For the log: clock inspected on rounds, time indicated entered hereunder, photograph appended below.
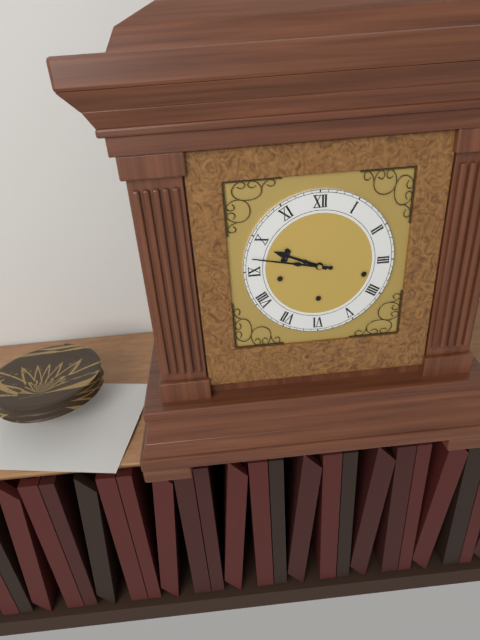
9:47
